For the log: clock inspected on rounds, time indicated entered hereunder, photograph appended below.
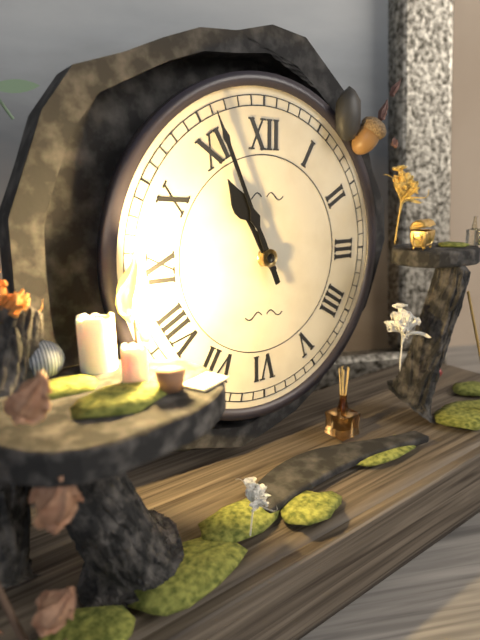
10:56
